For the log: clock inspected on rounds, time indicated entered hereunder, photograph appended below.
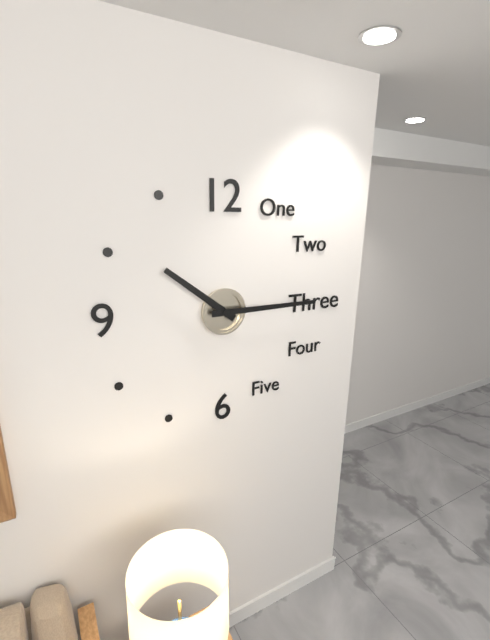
10:15
